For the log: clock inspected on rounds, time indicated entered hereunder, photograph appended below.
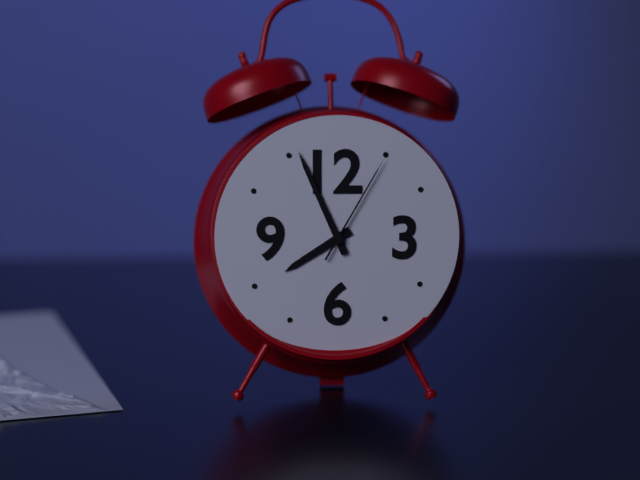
7:56:05
